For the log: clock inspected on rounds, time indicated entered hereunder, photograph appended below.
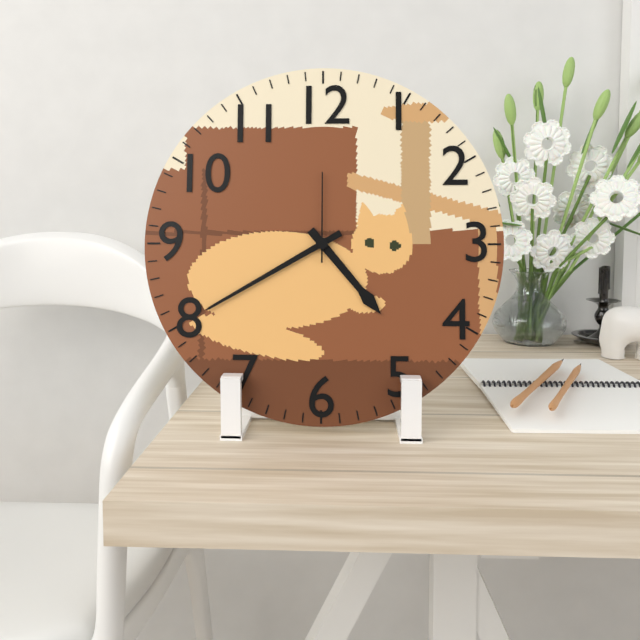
4:40:00
